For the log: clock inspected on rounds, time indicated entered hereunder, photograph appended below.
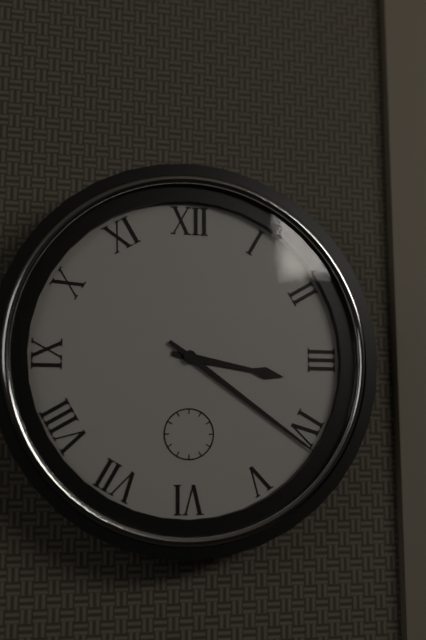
3:21
